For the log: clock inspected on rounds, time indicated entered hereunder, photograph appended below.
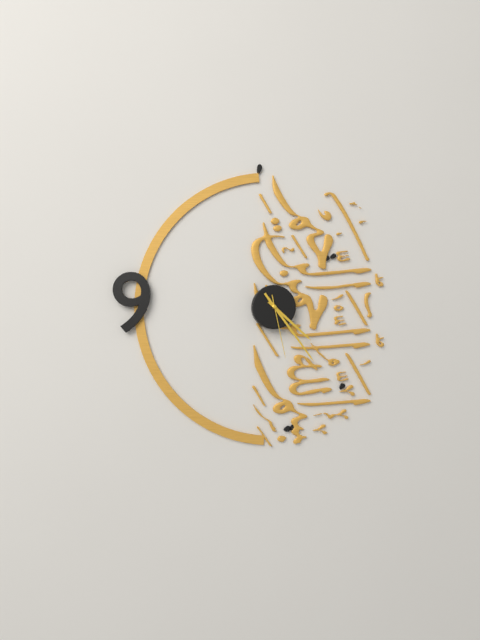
4:24:28
